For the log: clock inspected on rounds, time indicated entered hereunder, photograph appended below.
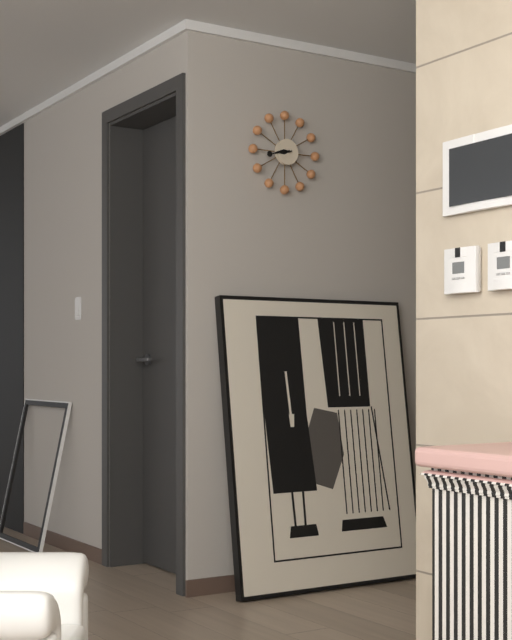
8:43
